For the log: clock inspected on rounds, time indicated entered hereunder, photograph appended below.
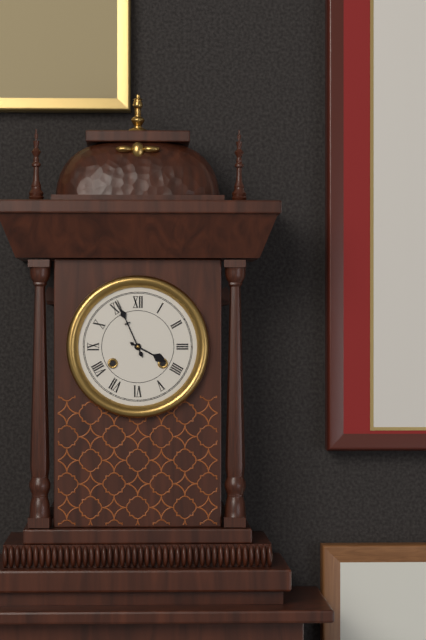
3:56
